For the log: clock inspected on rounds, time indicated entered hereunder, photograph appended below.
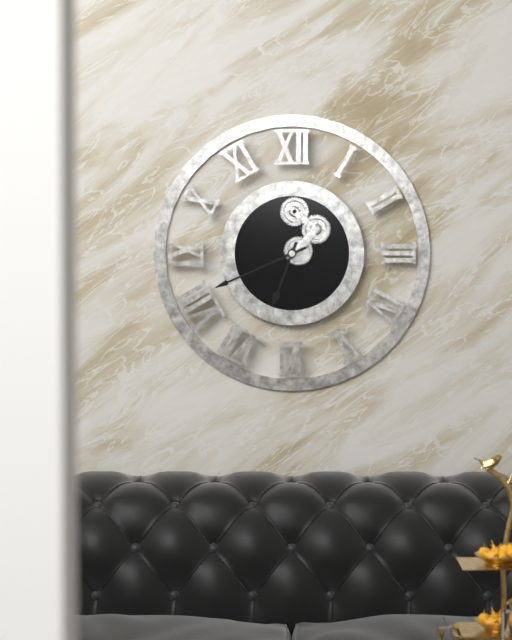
6:41
